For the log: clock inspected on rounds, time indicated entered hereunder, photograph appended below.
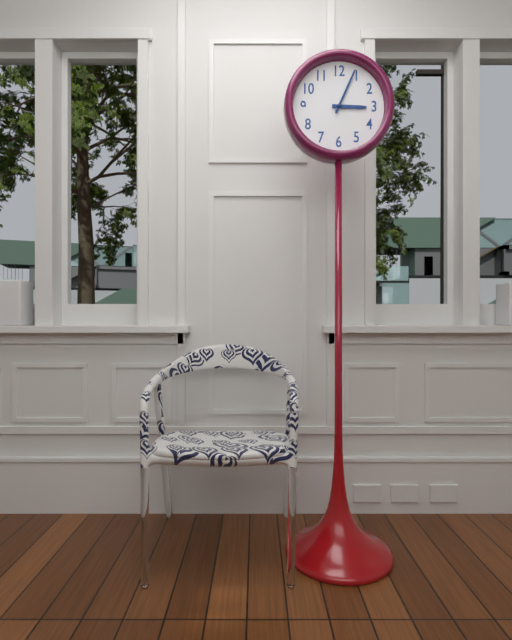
3:04
